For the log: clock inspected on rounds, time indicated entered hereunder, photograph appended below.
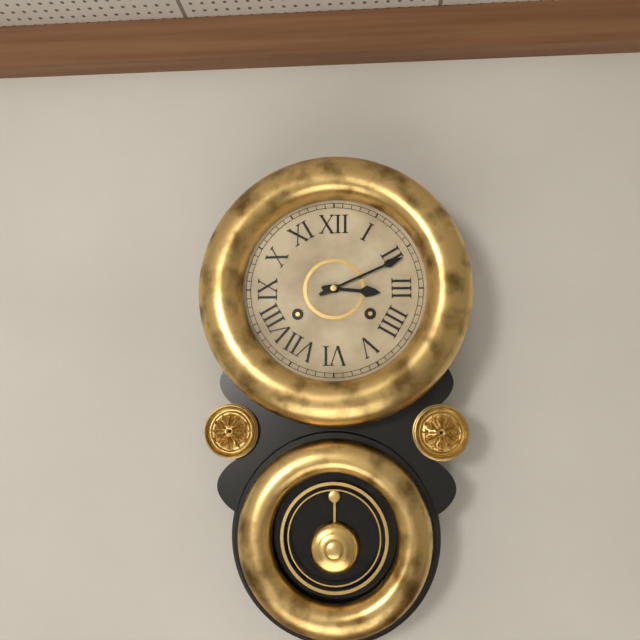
3:11
